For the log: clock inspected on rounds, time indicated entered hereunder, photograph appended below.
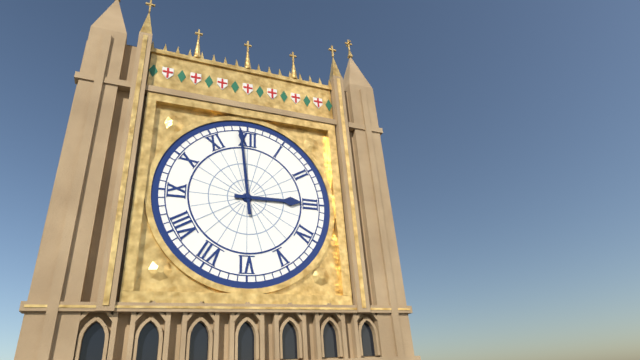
2:59
